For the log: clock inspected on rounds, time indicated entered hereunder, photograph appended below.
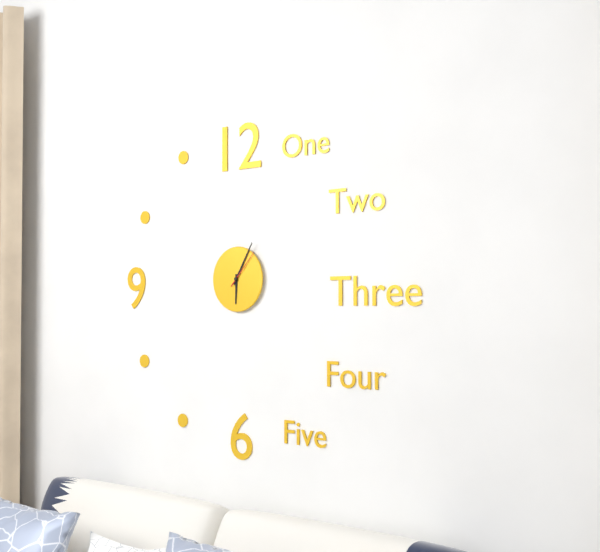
6:05
